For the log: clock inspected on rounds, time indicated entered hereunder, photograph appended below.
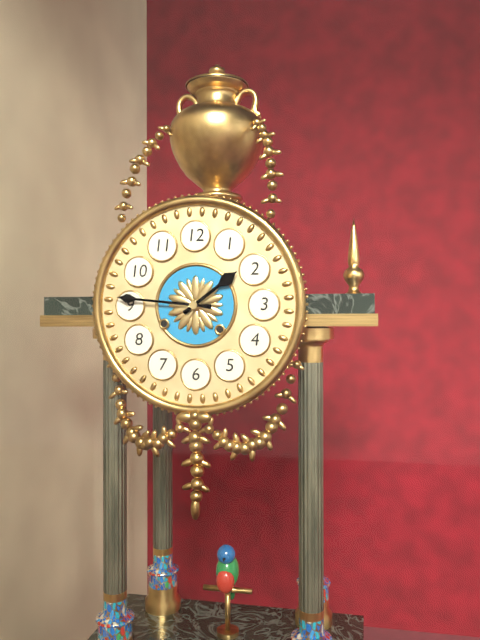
1:46
